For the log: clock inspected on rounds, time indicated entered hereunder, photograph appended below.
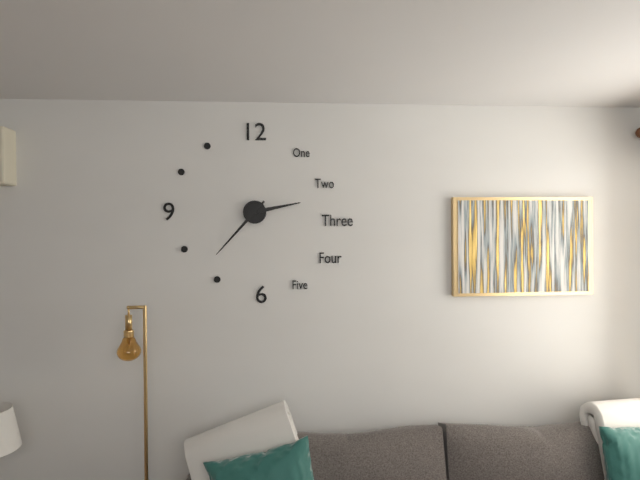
2:37
